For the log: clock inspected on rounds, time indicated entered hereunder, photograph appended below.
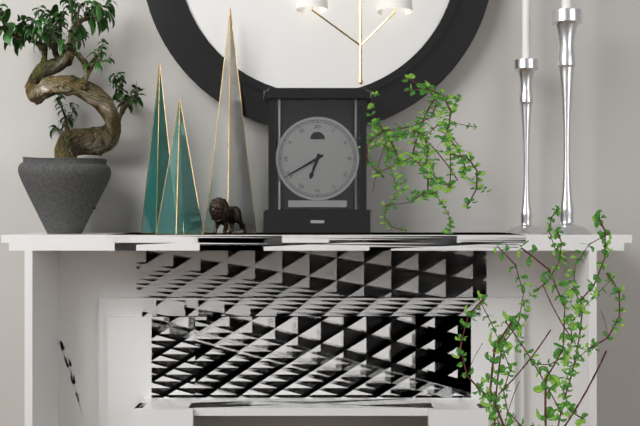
6:40
